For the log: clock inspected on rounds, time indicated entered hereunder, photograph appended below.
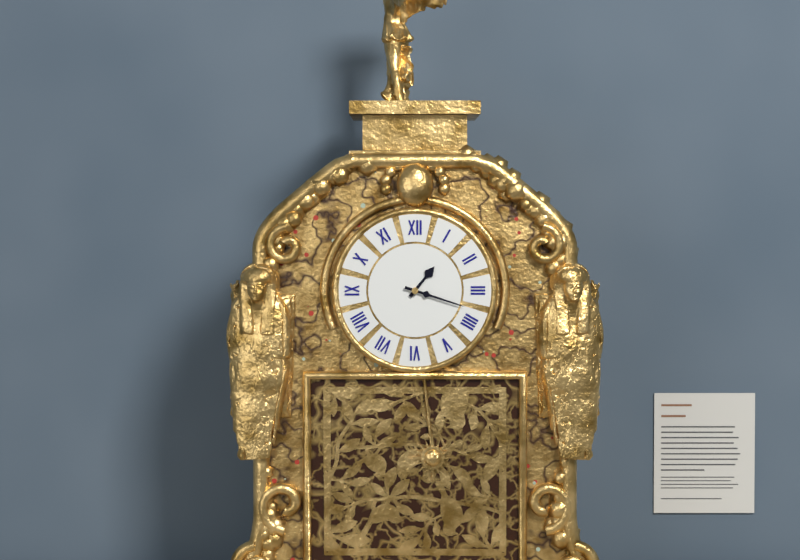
1:18
